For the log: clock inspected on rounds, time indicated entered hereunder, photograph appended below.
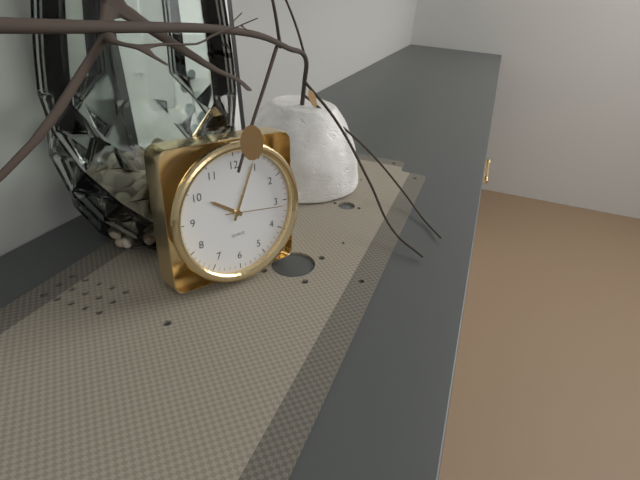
10:04:16
